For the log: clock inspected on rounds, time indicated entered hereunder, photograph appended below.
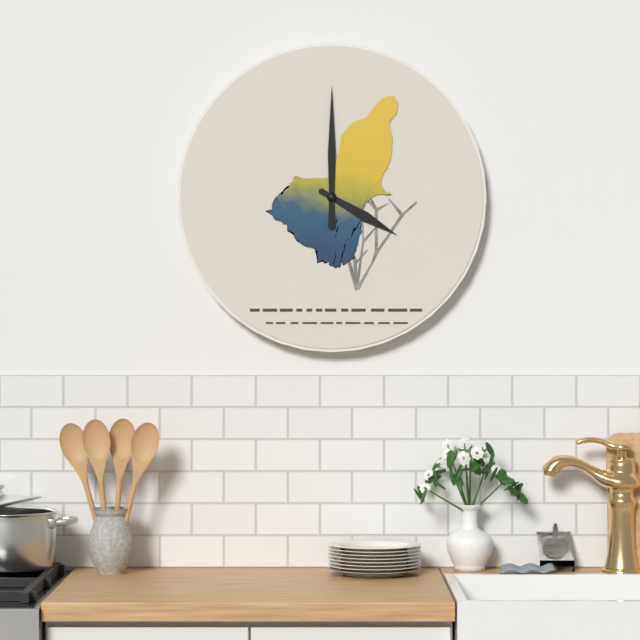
4:00
